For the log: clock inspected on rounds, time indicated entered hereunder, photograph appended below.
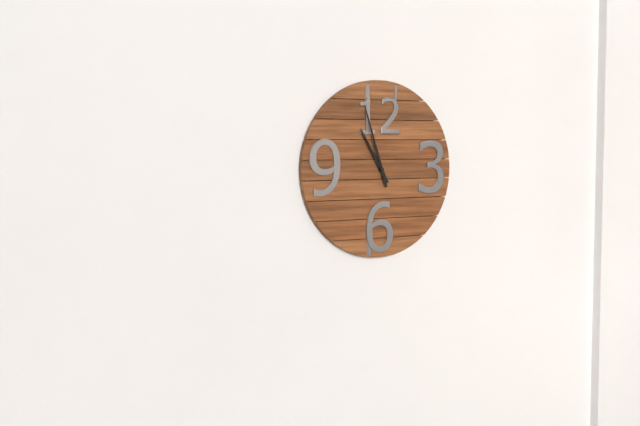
10:57
